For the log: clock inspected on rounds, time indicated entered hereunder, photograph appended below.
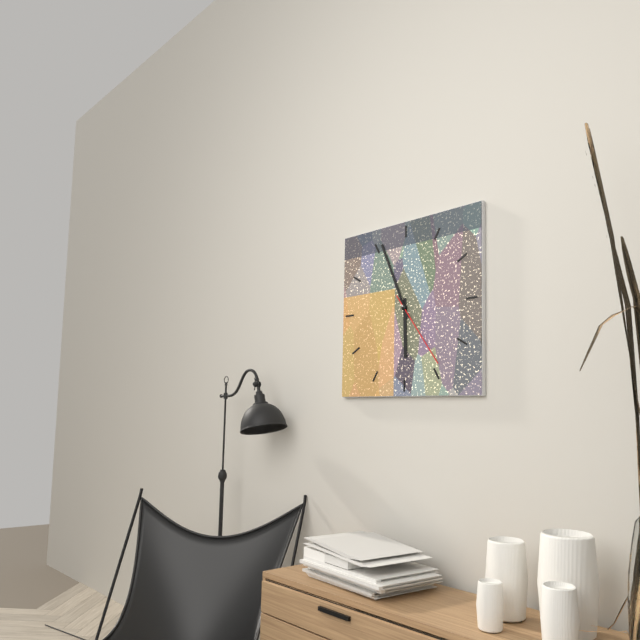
5:56:24
